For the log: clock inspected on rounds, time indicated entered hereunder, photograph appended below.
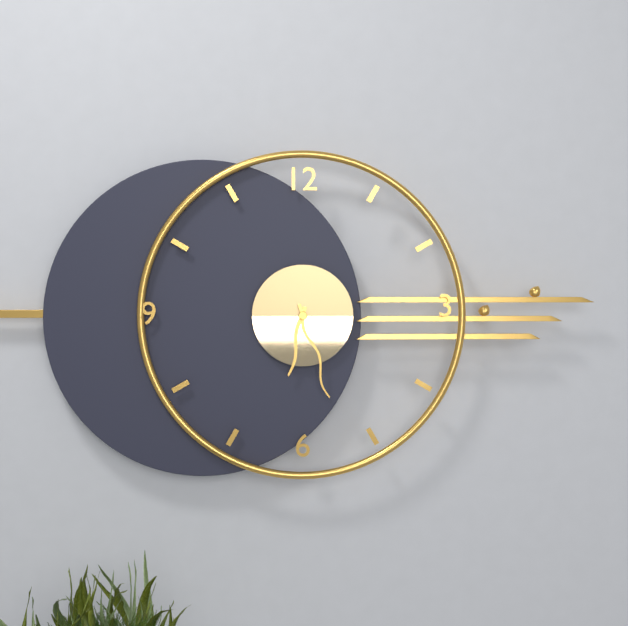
6:27
